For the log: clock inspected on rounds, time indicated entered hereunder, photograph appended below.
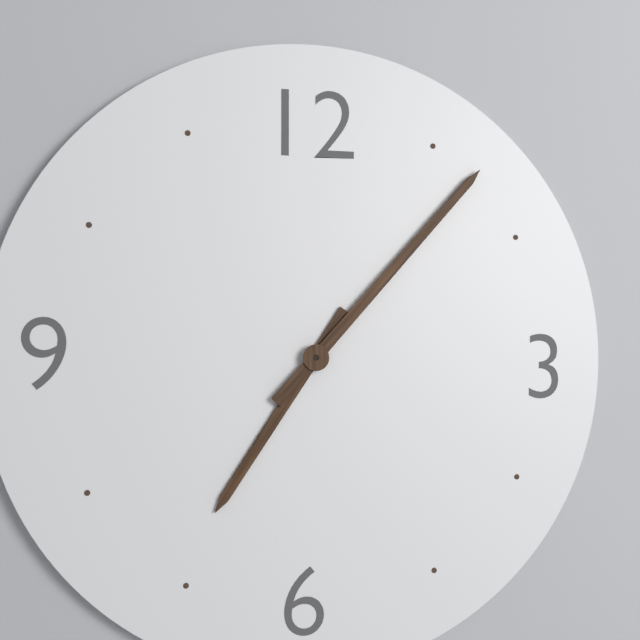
7:07
